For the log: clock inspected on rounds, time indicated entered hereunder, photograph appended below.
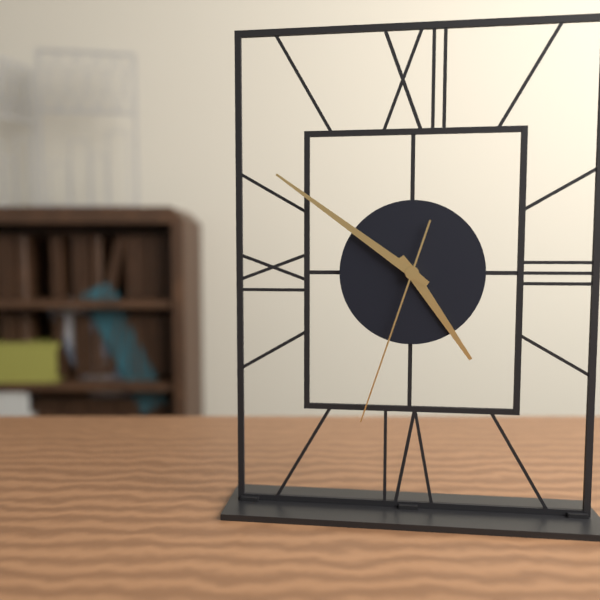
4:51:33
